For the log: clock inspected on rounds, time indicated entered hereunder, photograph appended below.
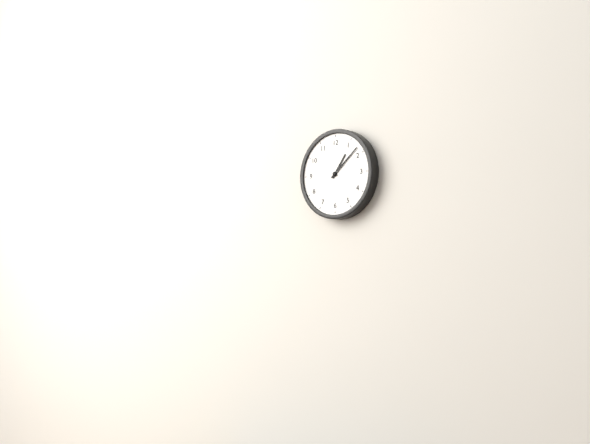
1:08
